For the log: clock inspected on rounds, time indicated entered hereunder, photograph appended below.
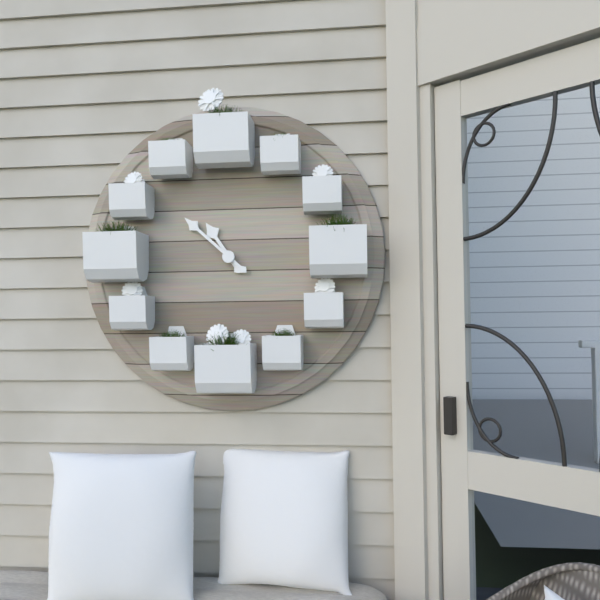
10:52
